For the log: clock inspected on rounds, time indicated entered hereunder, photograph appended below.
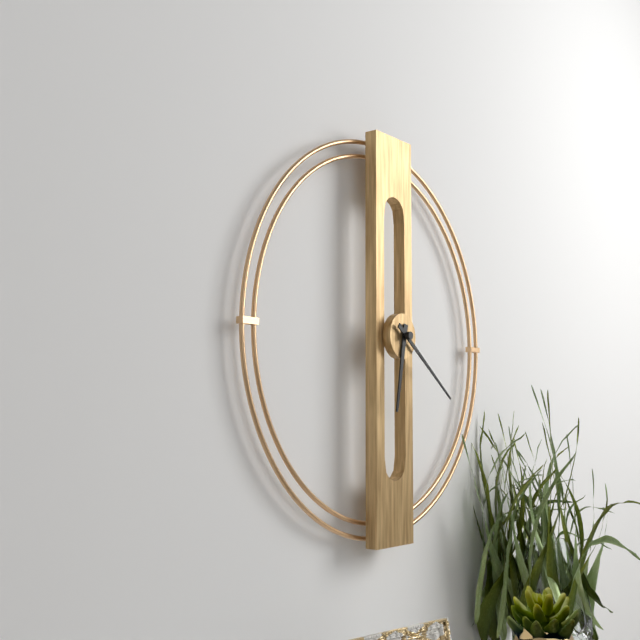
6:21
